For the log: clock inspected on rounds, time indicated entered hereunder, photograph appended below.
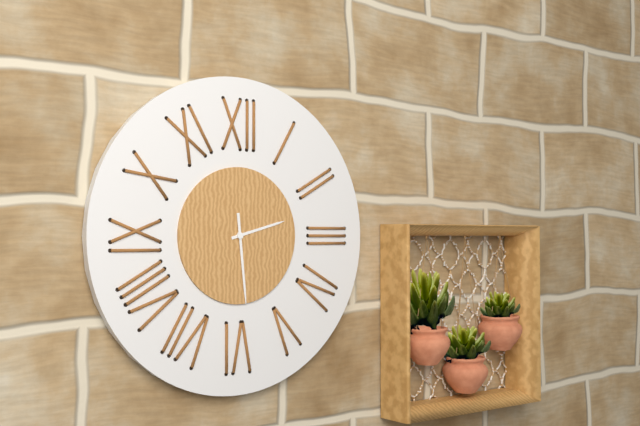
2:29
